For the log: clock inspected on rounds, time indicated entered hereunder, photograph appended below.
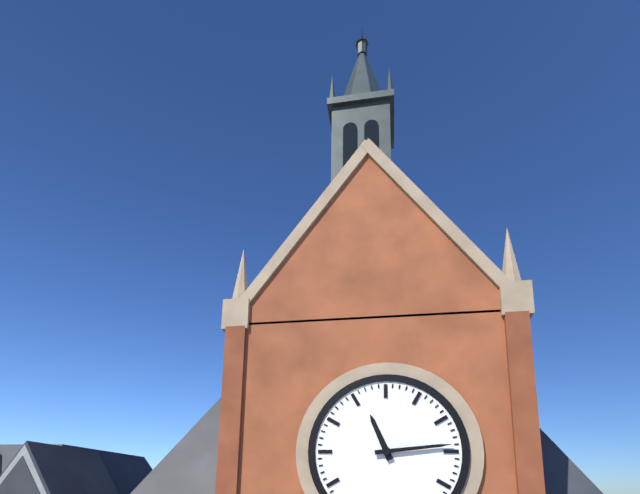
11:14
